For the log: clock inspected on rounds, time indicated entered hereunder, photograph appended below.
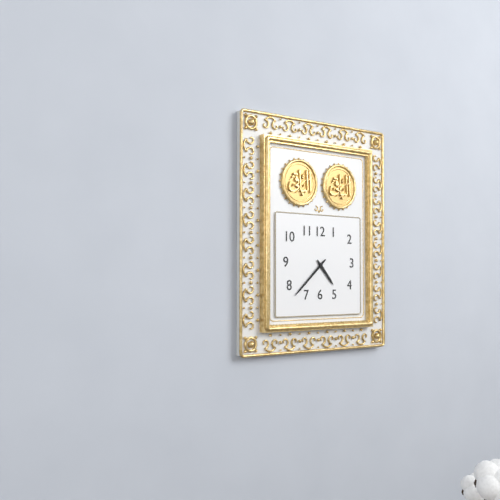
4:38
